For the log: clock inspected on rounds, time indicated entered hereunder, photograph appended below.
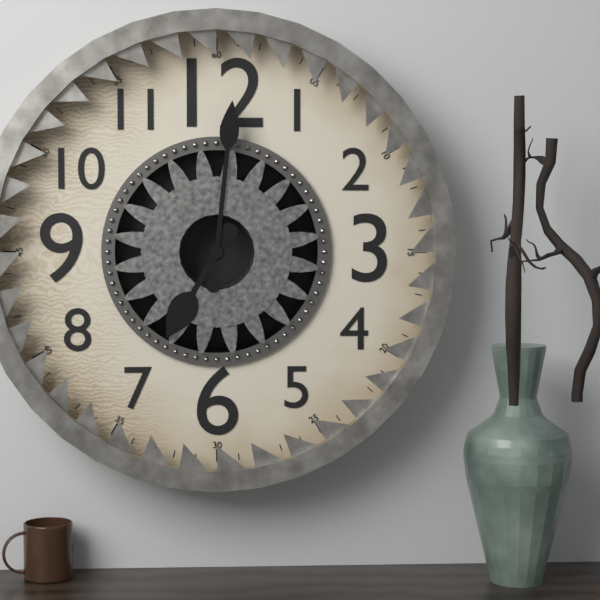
7:01
